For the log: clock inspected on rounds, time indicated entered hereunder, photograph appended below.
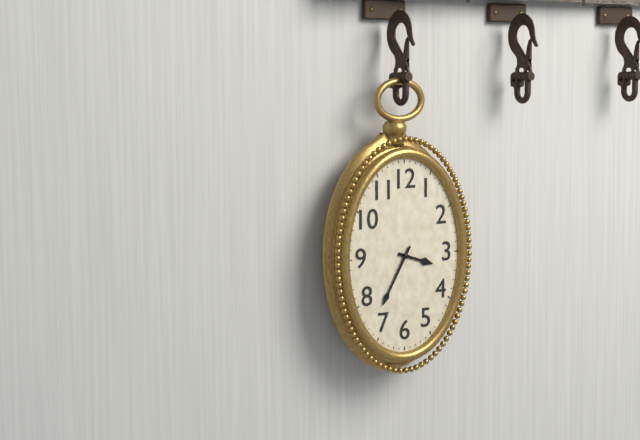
3:35
